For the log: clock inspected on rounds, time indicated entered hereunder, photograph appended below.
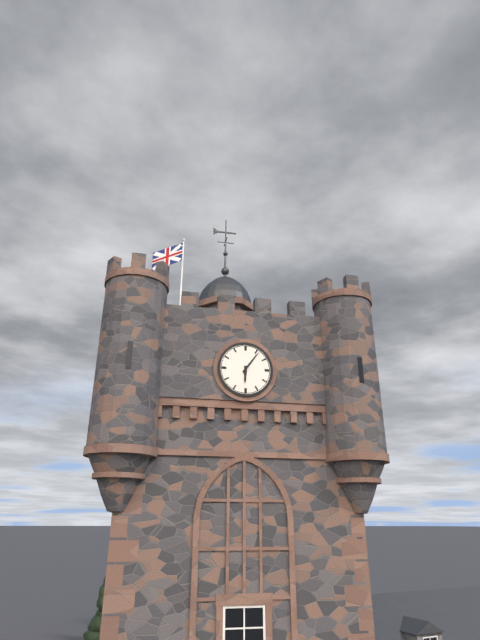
6:06
